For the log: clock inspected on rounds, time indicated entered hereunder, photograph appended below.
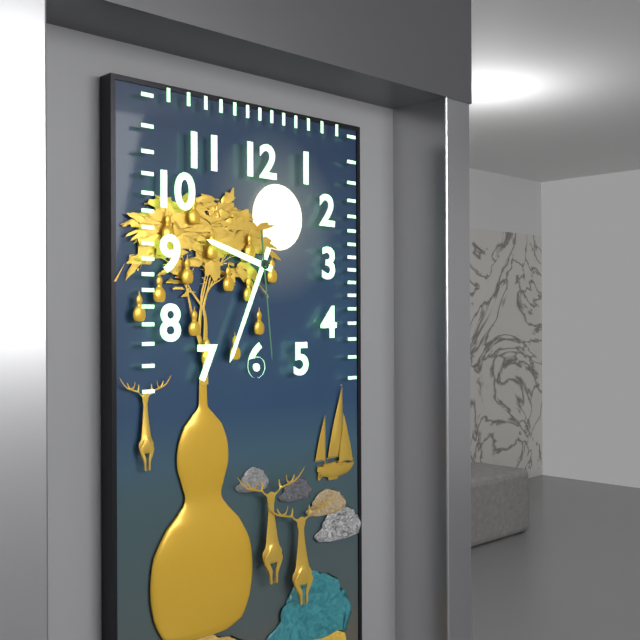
9:34:29
